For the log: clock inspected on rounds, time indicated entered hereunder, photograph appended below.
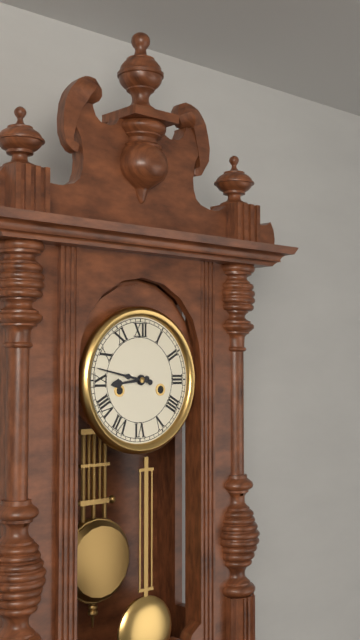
8:47
